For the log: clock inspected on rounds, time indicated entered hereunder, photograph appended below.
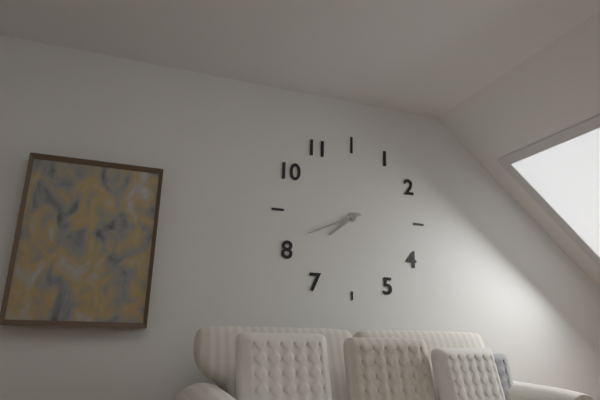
7:41
